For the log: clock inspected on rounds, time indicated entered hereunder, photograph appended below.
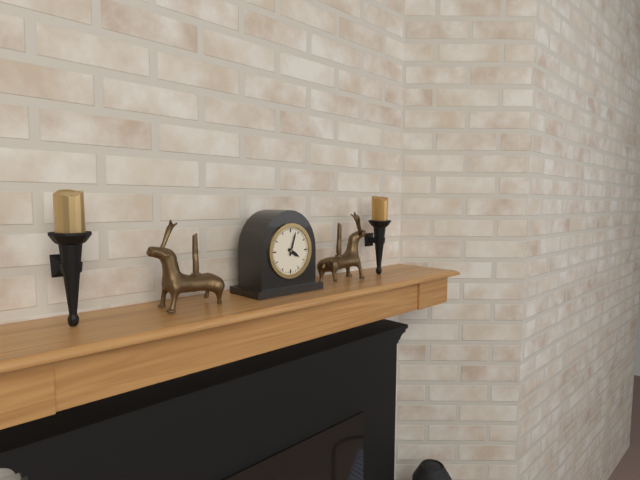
4:03
